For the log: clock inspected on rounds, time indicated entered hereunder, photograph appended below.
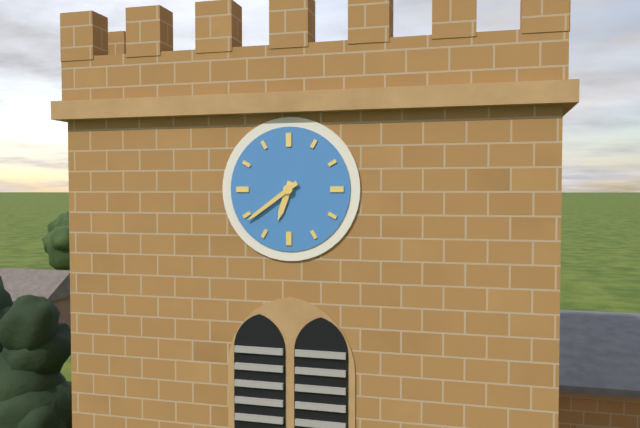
6:39
